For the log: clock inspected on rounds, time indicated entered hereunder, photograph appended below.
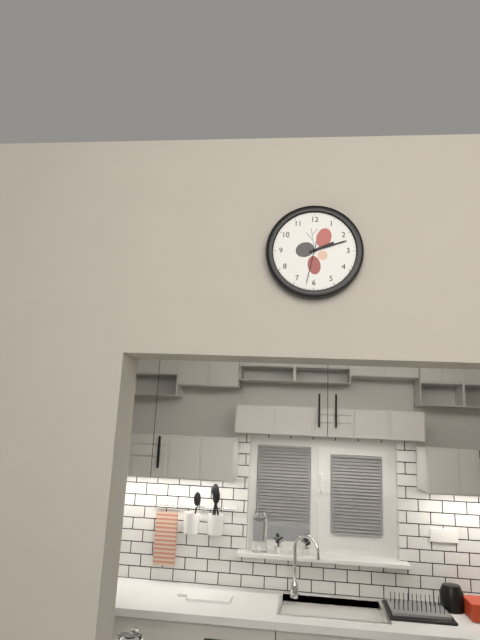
2:12
